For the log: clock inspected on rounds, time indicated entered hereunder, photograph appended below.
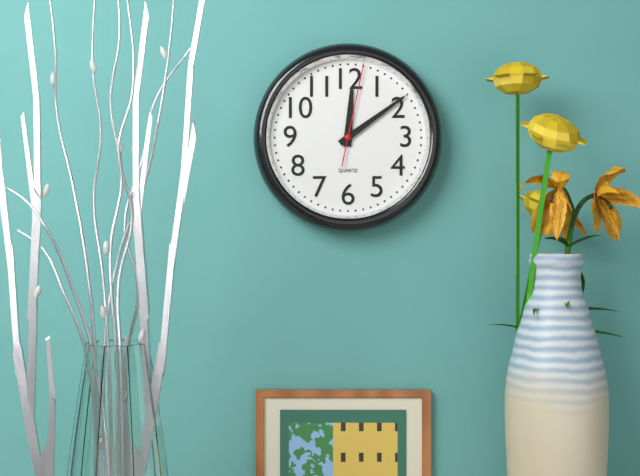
12:09:02
